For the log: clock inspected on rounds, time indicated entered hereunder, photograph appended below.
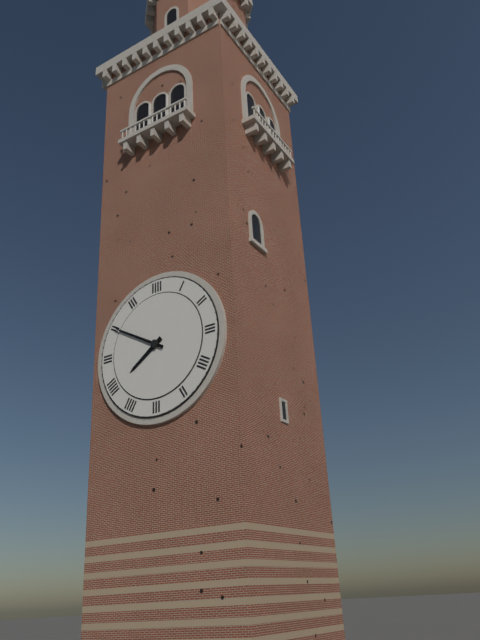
7:50
